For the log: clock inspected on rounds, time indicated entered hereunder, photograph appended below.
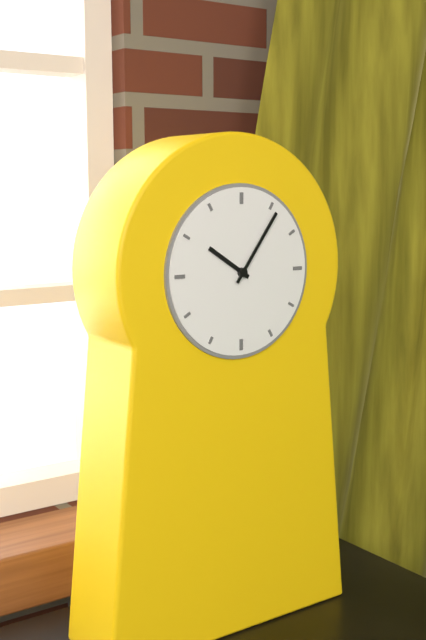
10:06
